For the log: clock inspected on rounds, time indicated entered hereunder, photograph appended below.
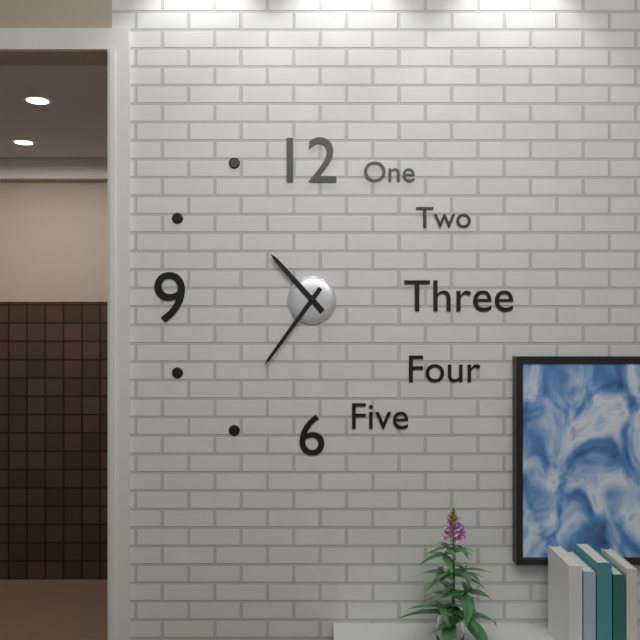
10:36
